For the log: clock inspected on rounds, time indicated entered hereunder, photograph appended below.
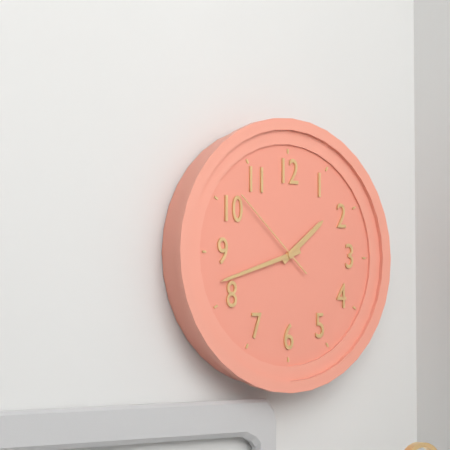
1:42:52
